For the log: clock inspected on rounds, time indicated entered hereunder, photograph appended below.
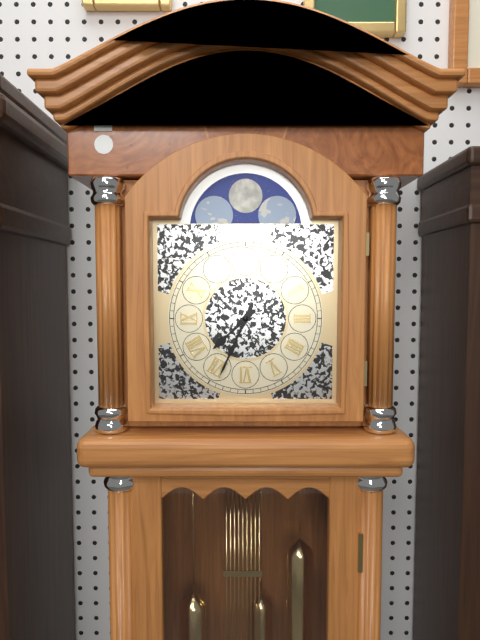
7:34
